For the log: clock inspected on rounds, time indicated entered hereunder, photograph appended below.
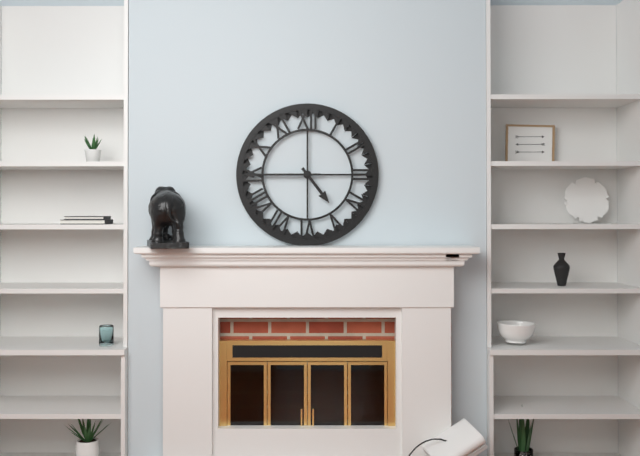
4:45
